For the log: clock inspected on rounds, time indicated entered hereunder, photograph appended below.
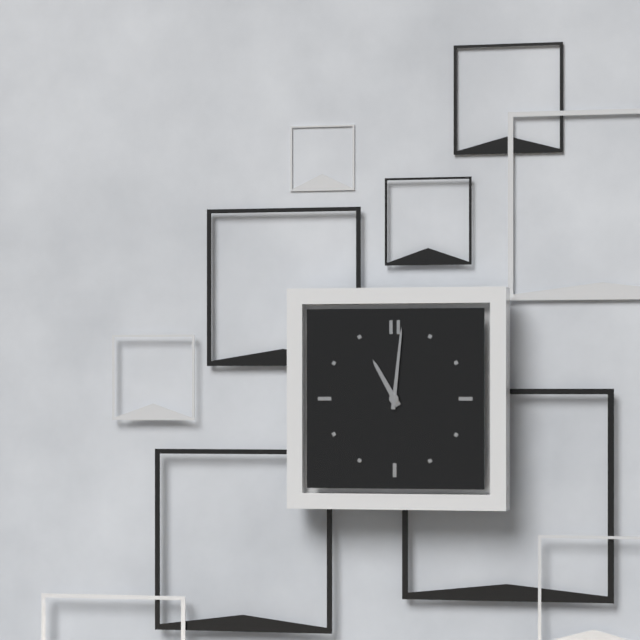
11:01
